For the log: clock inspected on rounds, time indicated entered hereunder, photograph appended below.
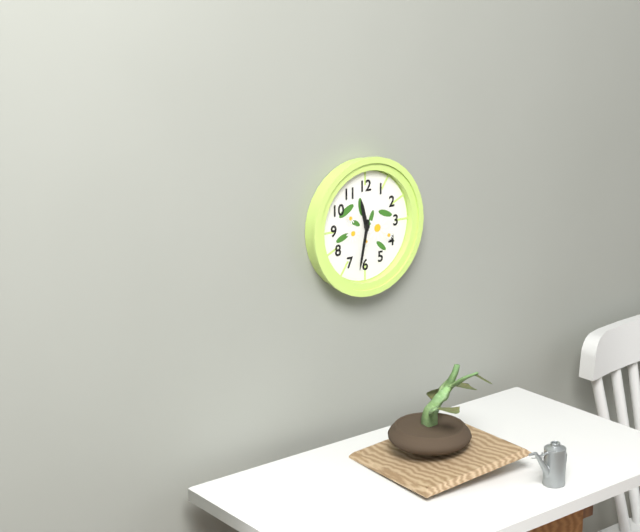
11:32
